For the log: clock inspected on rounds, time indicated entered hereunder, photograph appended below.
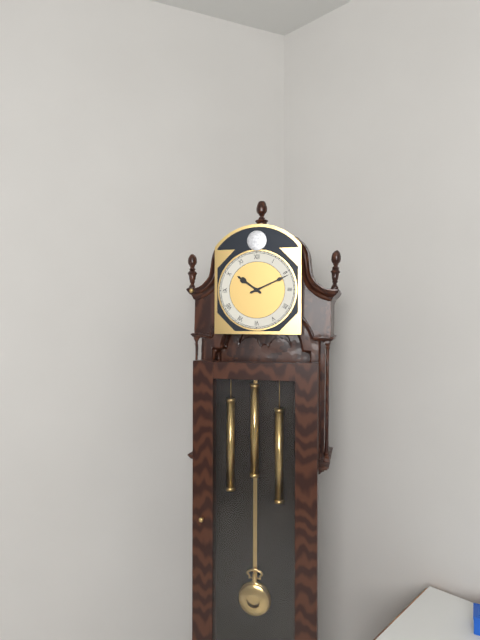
10:11
